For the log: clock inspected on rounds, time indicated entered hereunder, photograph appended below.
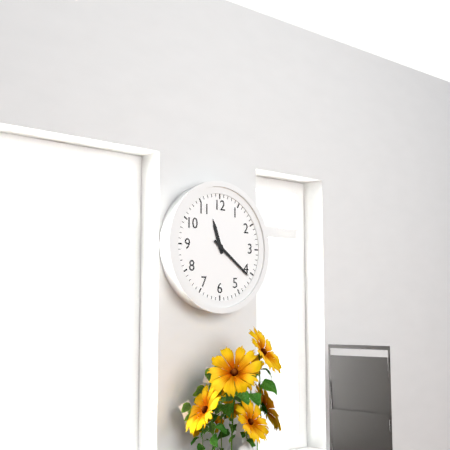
11:21
